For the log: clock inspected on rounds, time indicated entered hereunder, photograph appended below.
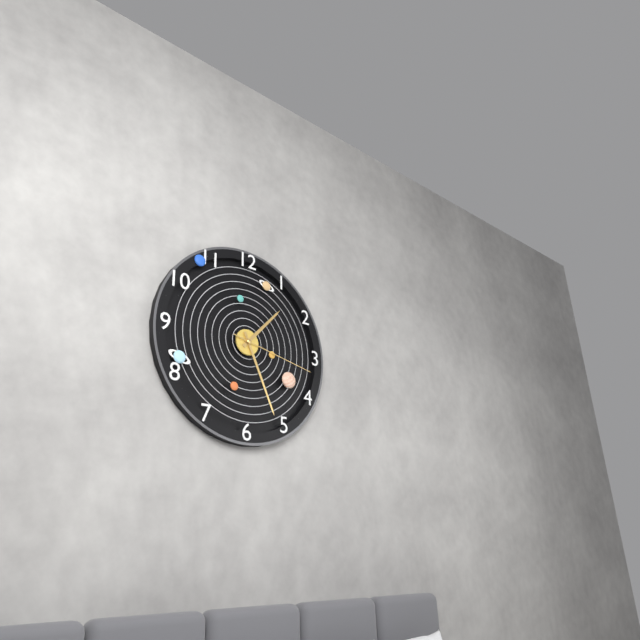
1:26:17
